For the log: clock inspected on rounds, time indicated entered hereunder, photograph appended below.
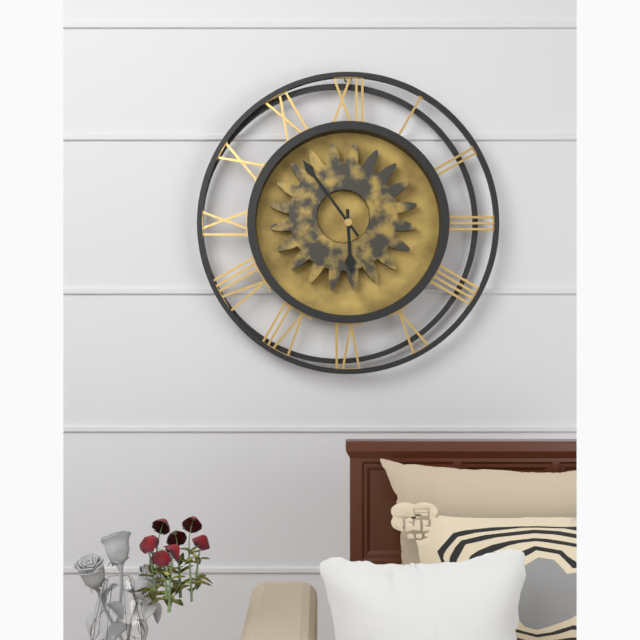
5:54
